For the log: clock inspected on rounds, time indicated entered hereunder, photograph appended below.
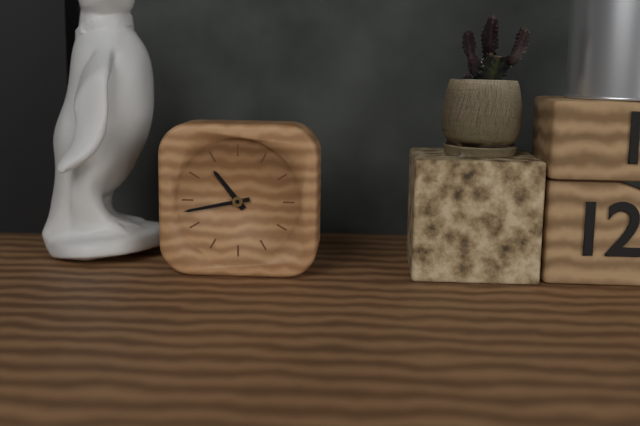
10:43
